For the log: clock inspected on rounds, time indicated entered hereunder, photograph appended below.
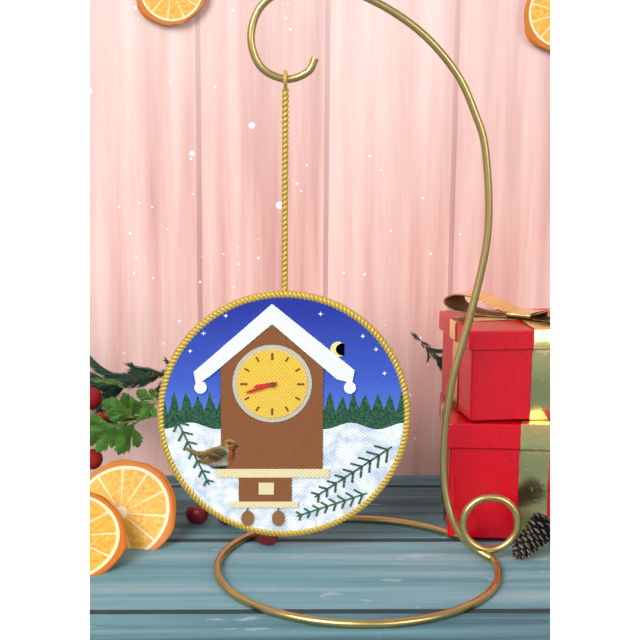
8:42
